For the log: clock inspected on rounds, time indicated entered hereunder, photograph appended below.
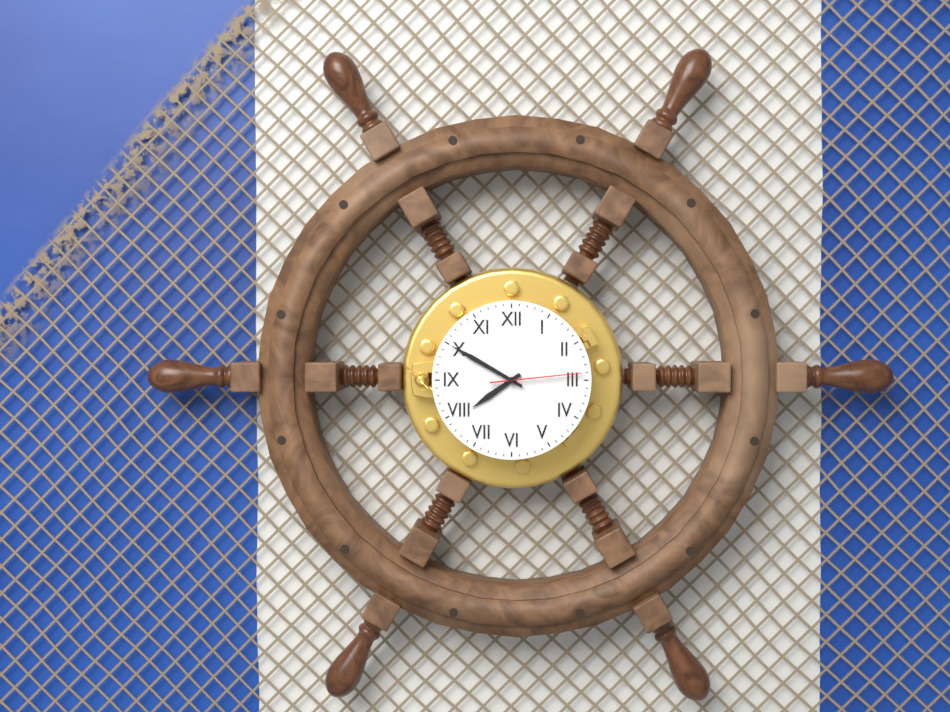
7:50:14
